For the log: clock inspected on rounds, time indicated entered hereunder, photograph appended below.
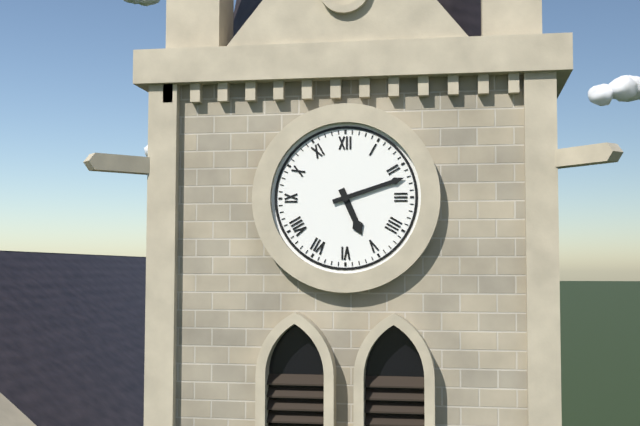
5:12
